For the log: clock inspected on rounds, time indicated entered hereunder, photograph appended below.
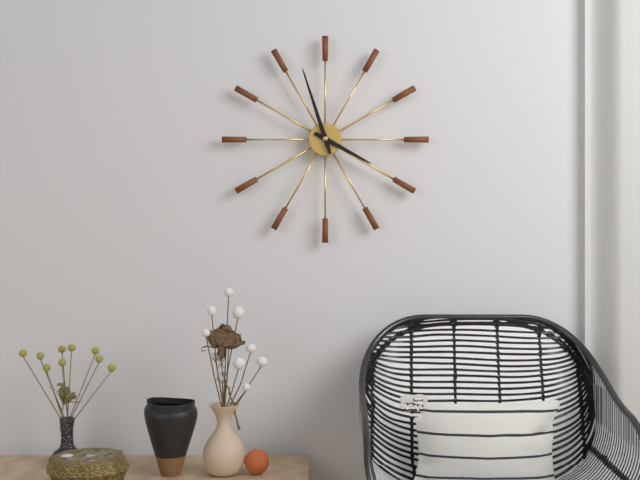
3:57
